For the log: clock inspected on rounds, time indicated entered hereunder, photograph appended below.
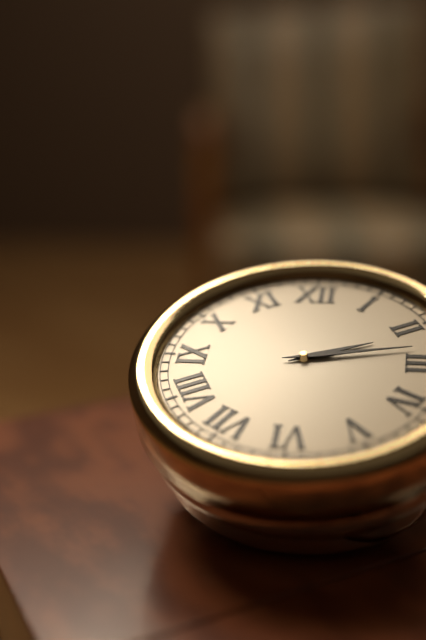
2:13
